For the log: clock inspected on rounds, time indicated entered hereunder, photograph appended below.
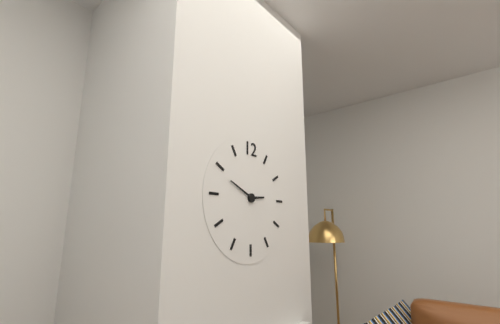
2:49
